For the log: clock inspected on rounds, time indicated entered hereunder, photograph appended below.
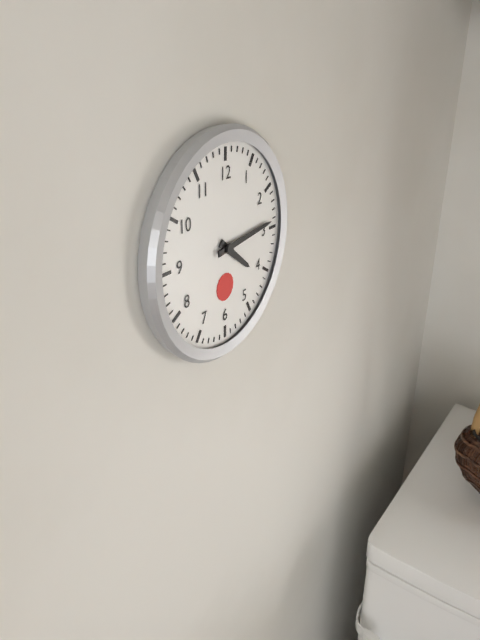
4:14
